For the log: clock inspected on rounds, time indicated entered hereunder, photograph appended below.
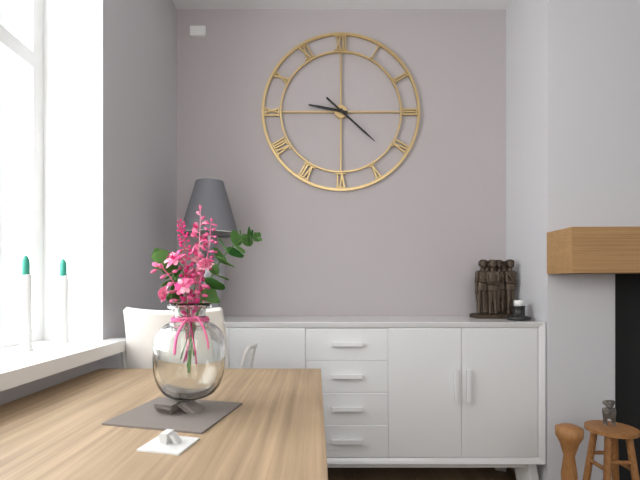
9:22
